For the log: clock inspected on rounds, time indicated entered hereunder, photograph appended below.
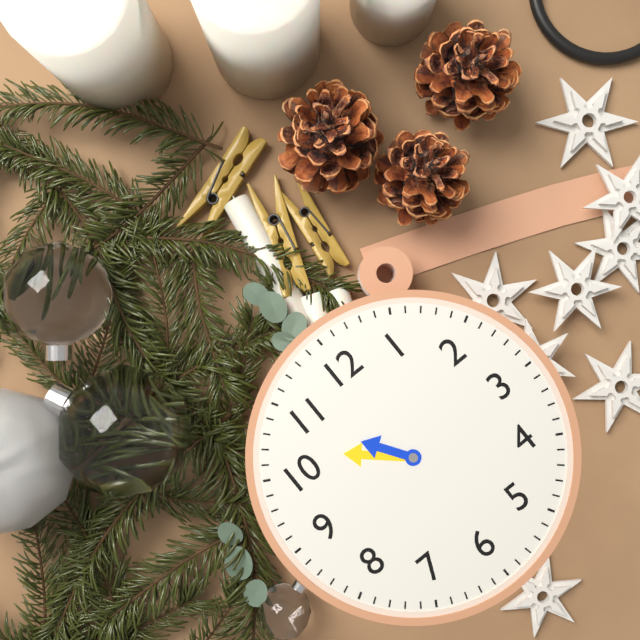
10:52
